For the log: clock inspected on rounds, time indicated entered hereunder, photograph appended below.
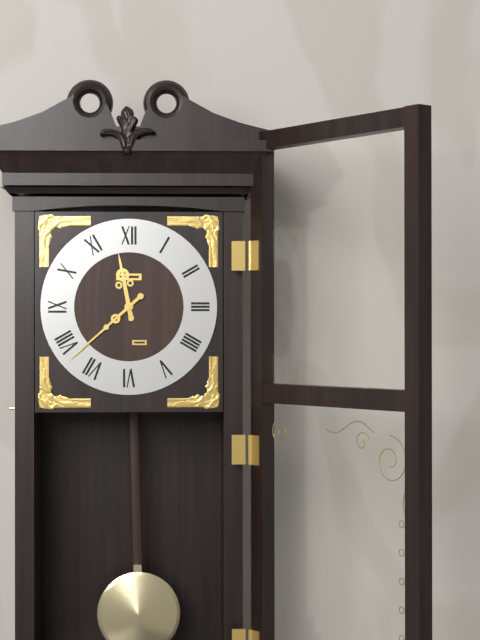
11:38
